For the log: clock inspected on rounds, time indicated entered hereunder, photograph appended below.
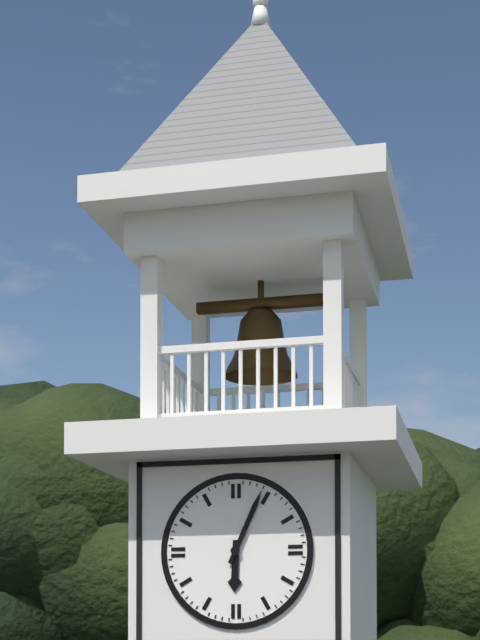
6:04
